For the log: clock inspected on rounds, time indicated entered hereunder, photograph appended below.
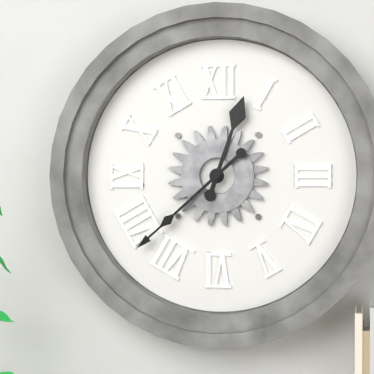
12:38
